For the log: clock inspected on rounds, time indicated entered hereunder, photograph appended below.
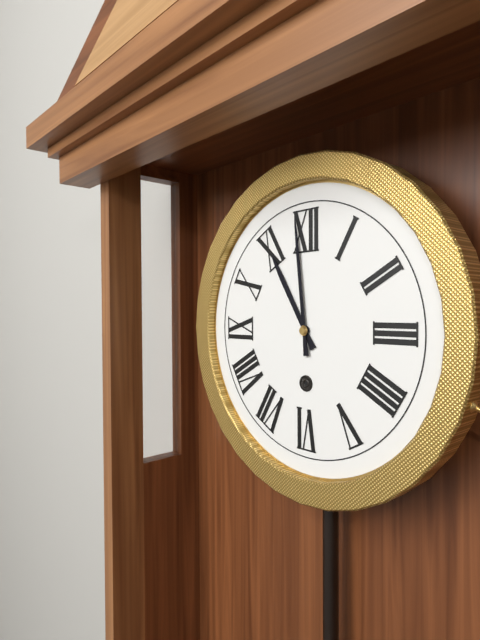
10:59
